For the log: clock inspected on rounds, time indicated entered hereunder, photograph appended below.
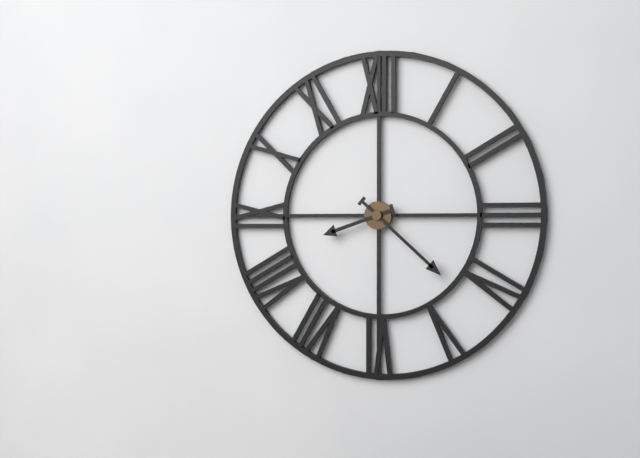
8:22
